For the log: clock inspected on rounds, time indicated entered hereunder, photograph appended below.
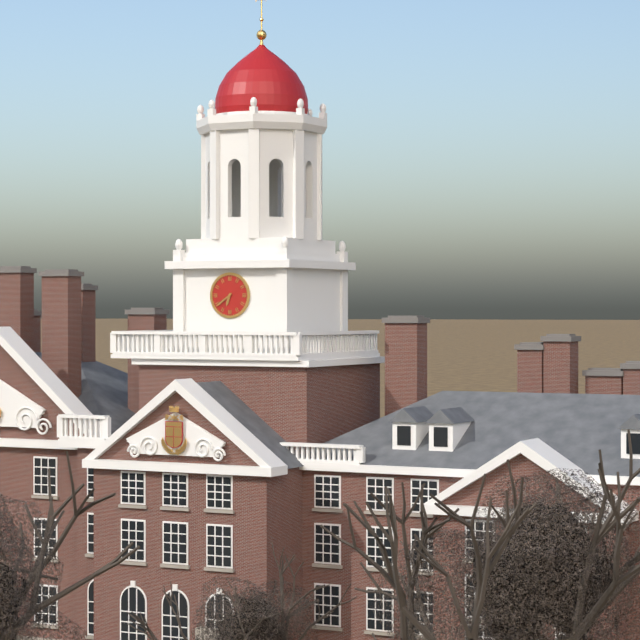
6:39
